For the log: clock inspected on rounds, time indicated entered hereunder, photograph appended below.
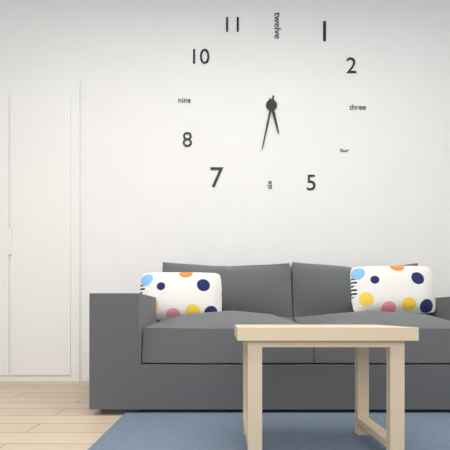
5:32
